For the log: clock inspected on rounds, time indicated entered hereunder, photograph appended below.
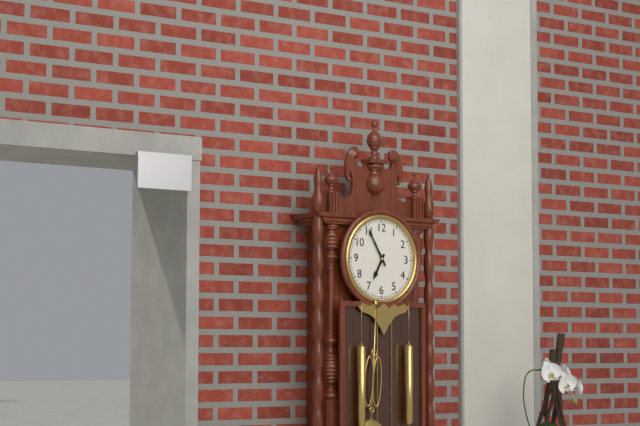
6:55
